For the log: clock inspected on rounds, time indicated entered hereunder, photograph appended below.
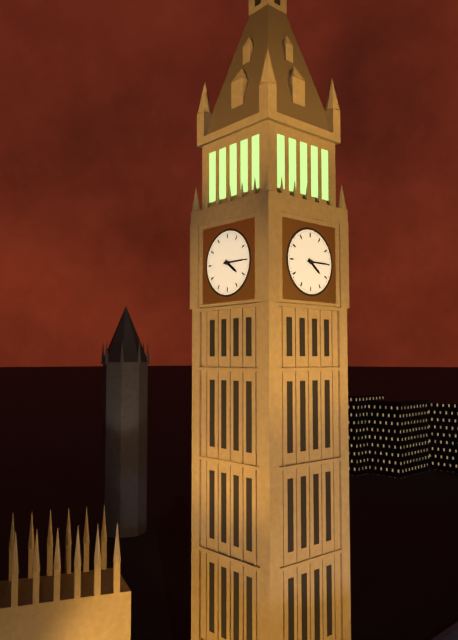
4:15
